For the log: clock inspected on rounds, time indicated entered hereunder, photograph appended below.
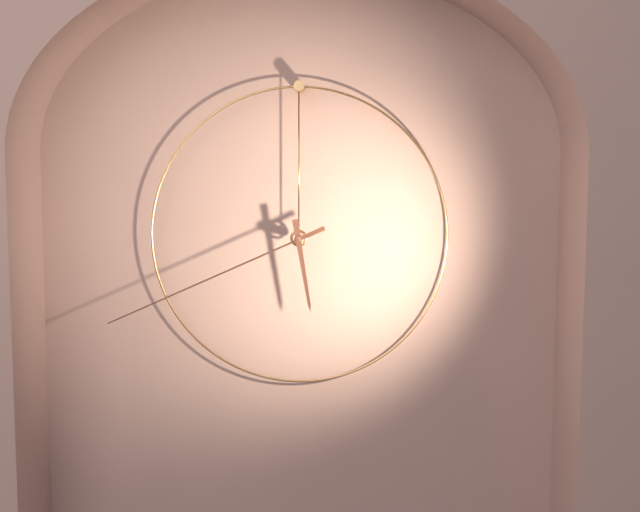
5:41
